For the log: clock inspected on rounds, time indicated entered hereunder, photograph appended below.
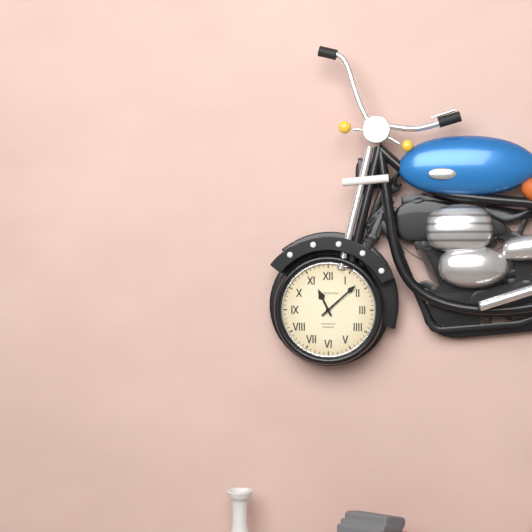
11:08
